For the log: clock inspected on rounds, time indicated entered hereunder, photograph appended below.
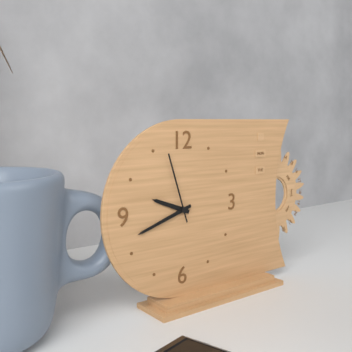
9:42:57
